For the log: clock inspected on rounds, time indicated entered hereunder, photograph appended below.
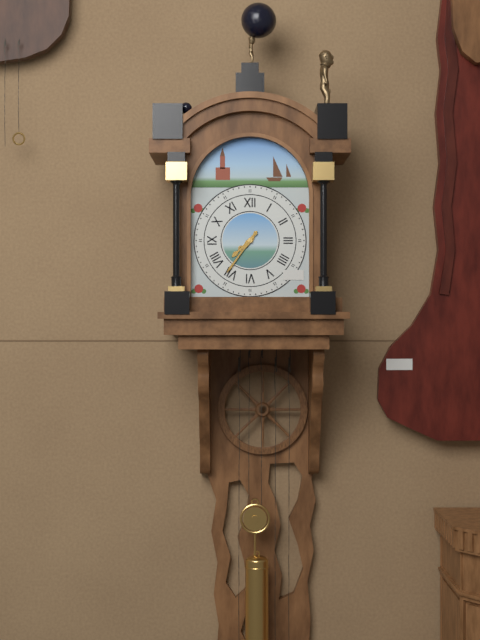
7:36
